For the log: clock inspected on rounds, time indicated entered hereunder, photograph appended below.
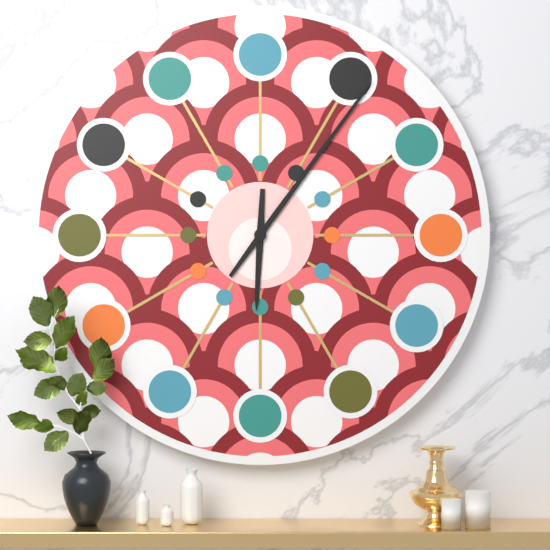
6:06
